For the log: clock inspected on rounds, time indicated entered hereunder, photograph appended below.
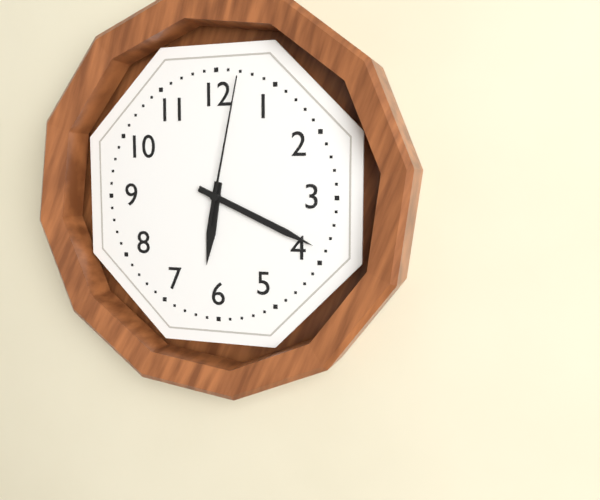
6:19:02
